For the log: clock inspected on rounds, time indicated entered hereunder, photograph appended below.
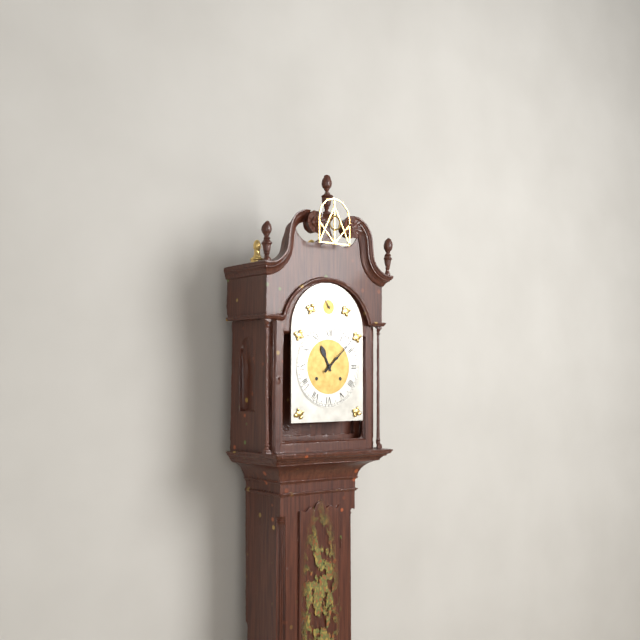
11:08
